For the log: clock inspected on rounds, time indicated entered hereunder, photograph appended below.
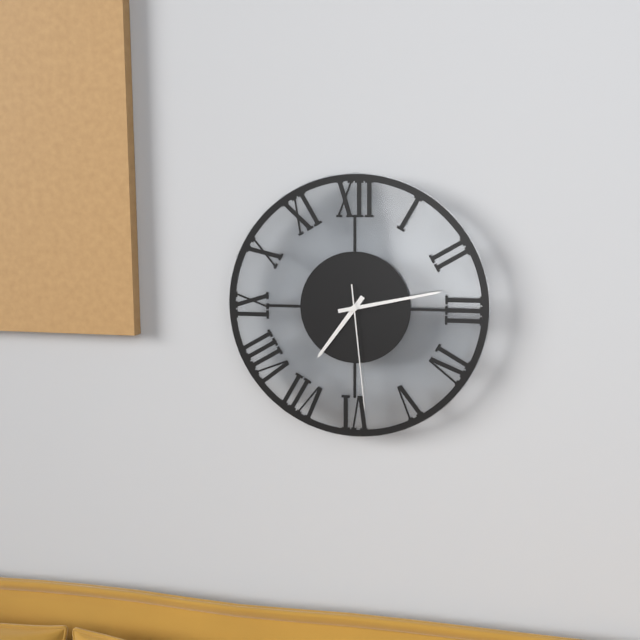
7:13:29
